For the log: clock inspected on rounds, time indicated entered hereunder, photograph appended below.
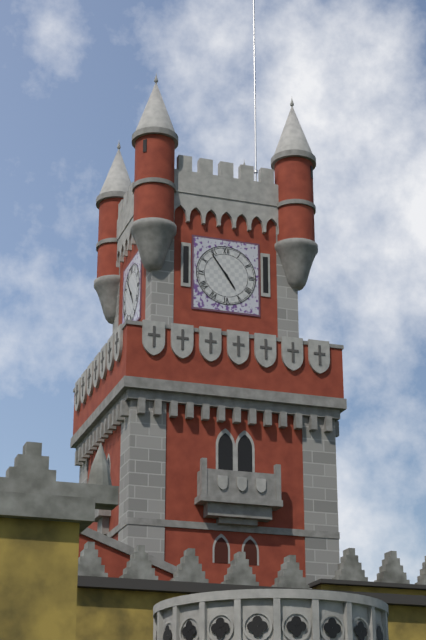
4:54
